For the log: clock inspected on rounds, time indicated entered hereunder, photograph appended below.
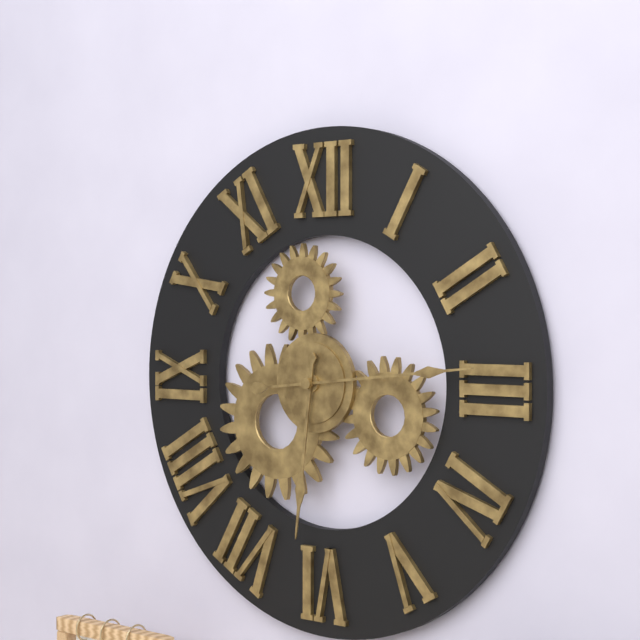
6:14
